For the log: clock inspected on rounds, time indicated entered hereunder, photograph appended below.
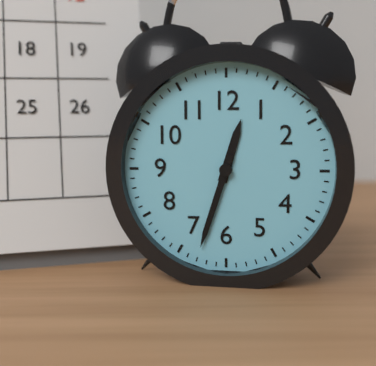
12:33
